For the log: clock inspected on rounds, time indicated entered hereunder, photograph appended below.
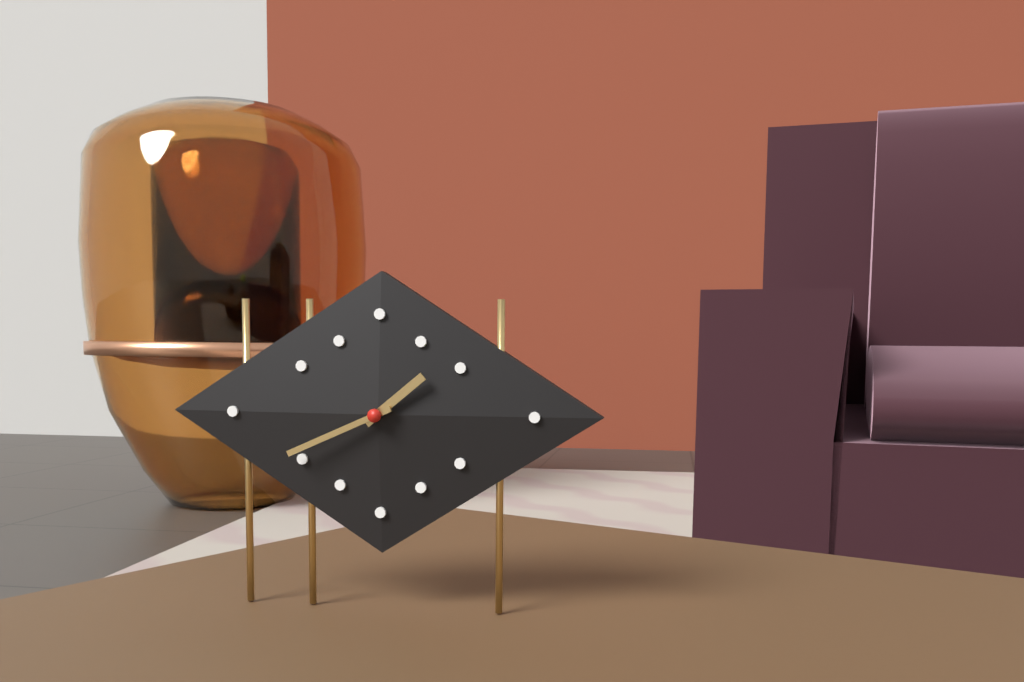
1:41
